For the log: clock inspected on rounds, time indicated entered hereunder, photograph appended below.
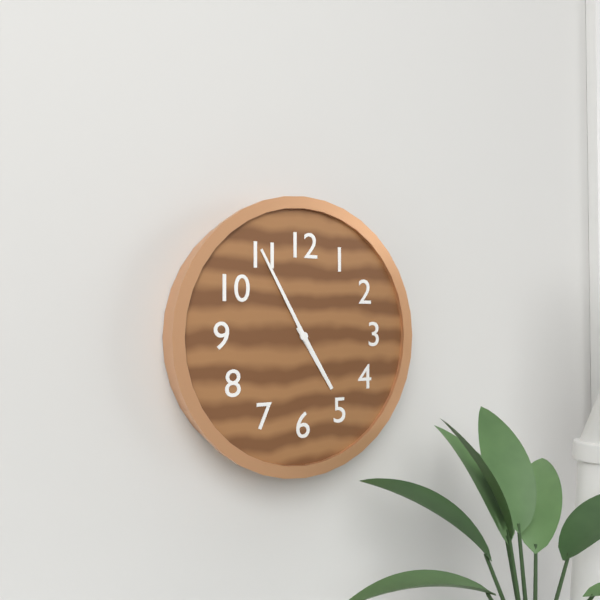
4:55
